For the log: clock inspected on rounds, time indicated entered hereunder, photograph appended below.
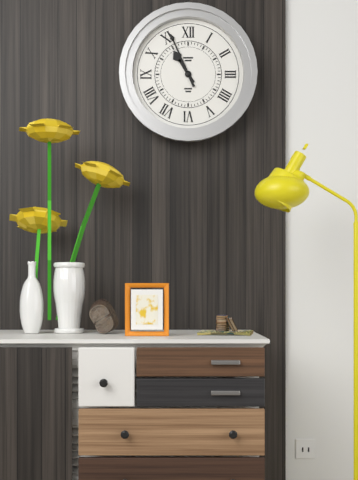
10:56
